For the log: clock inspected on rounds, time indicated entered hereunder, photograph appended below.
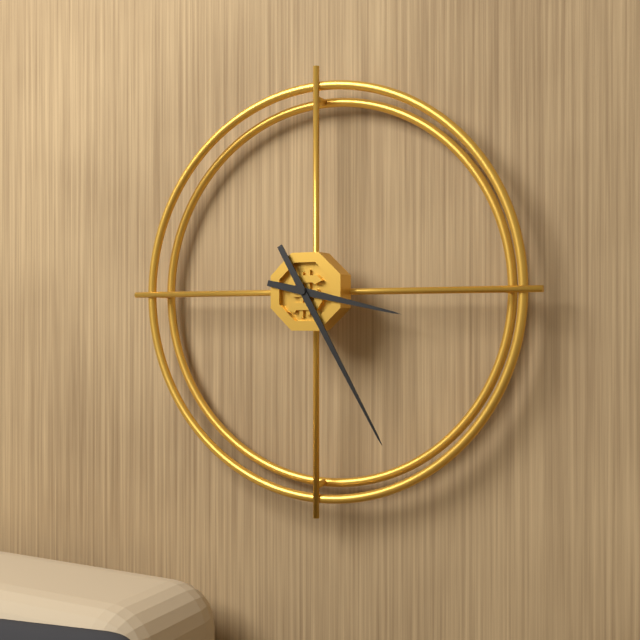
3:25
